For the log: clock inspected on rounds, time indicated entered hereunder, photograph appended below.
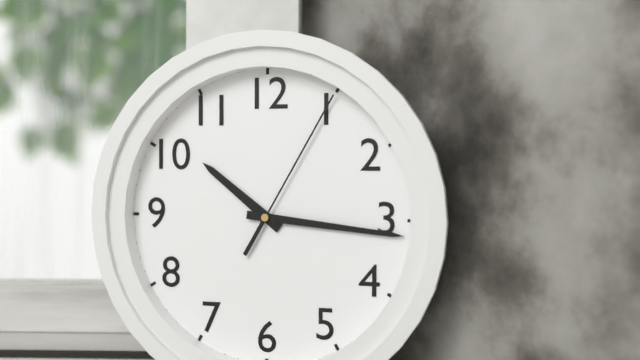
10:16:05
